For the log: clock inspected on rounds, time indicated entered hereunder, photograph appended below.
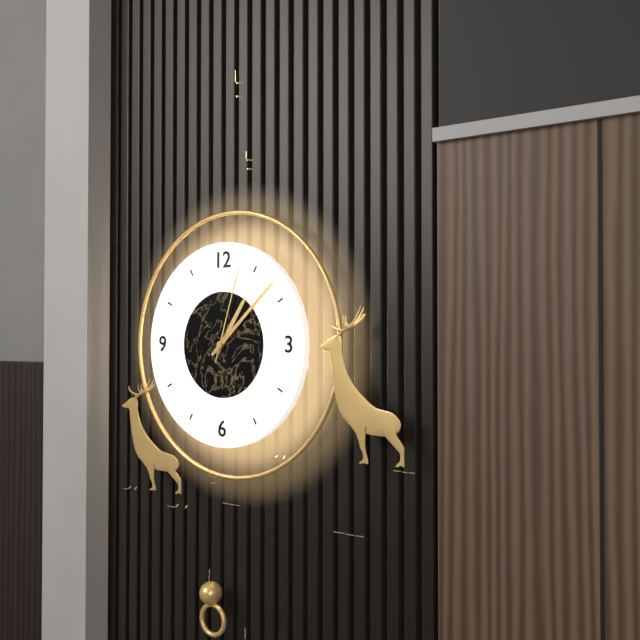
1:08:03
